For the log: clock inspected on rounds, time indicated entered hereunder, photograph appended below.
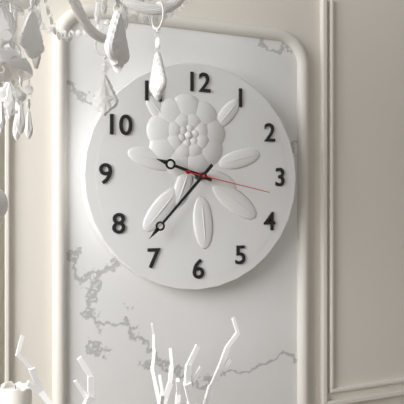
9:37:17
